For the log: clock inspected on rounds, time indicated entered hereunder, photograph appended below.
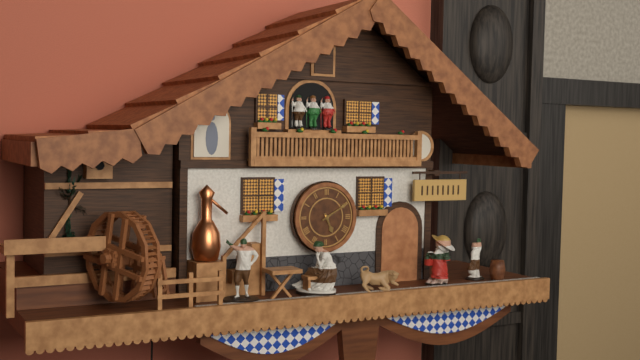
5:10
